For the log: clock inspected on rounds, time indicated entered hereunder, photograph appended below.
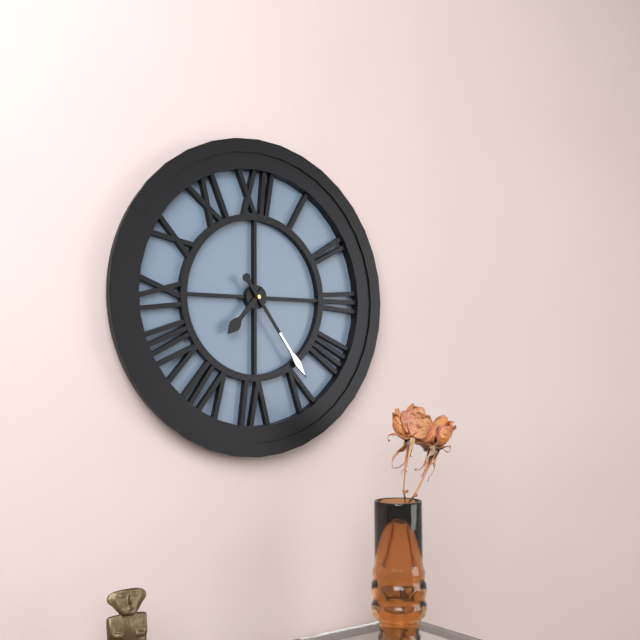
7:24
